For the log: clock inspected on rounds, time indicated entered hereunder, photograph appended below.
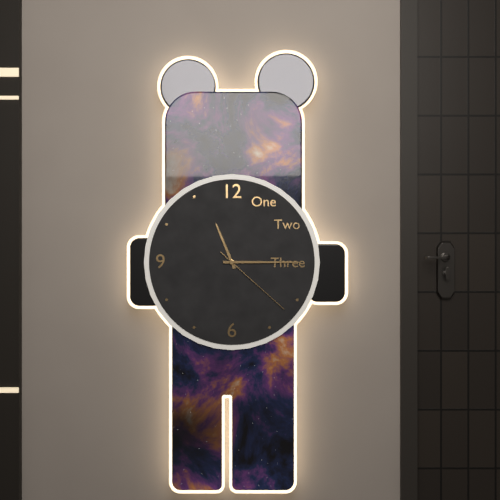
11:15:22
